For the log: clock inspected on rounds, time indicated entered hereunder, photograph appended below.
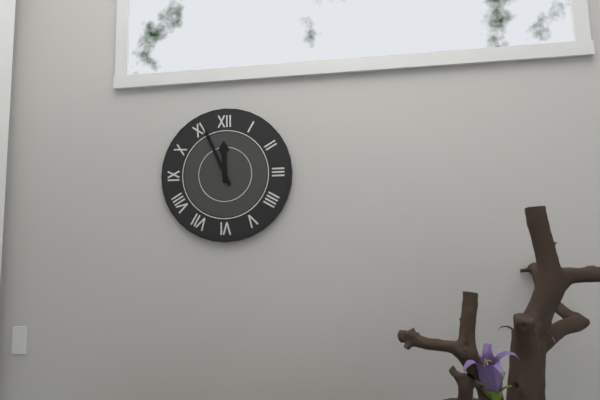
11:56
